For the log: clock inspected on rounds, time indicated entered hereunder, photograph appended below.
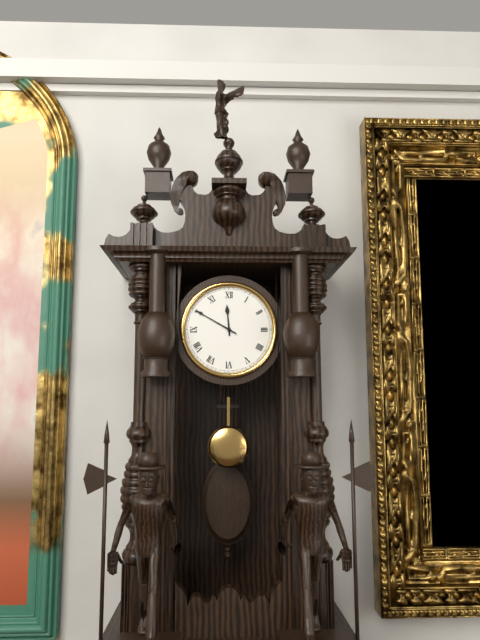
11:50
